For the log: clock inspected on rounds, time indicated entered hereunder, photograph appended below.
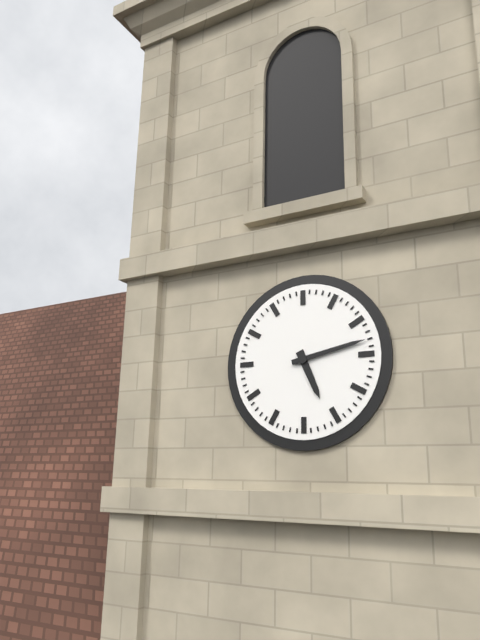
5:13
